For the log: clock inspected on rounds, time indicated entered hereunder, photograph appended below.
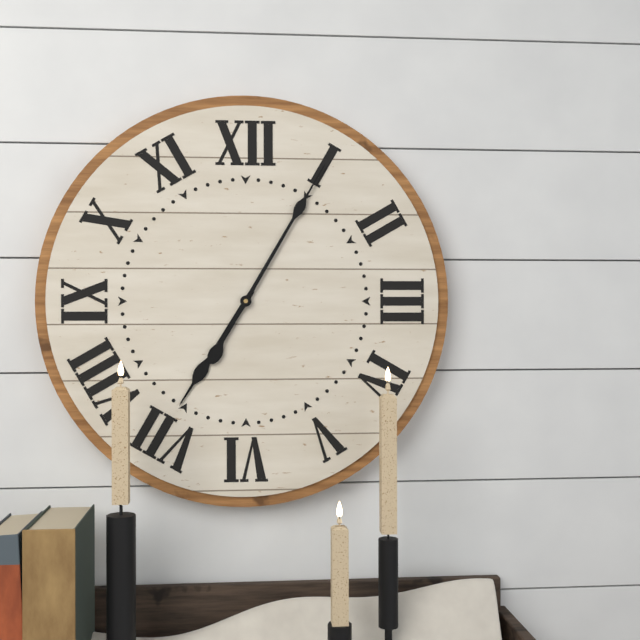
7:05
